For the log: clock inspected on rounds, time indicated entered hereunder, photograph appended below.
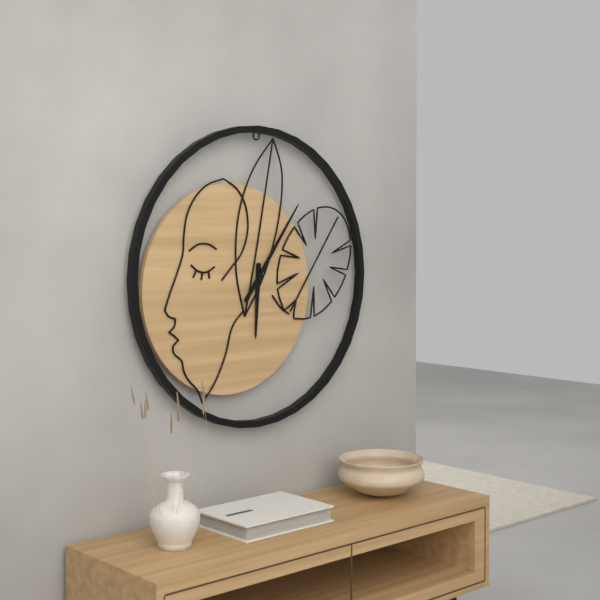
6:06
